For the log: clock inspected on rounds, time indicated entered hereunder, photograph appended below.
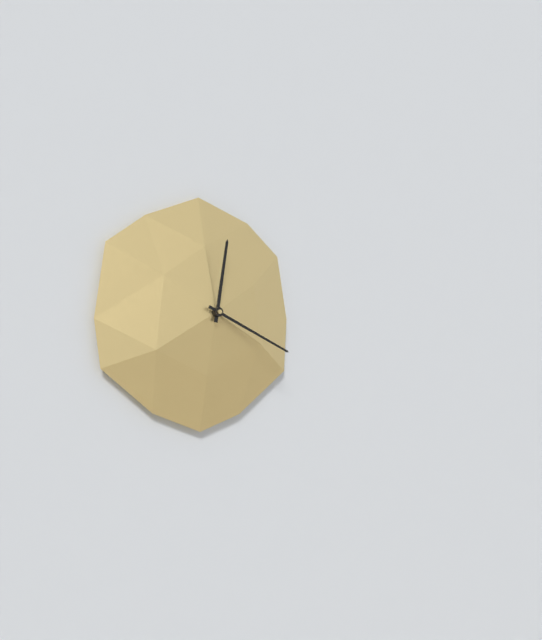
12:19
